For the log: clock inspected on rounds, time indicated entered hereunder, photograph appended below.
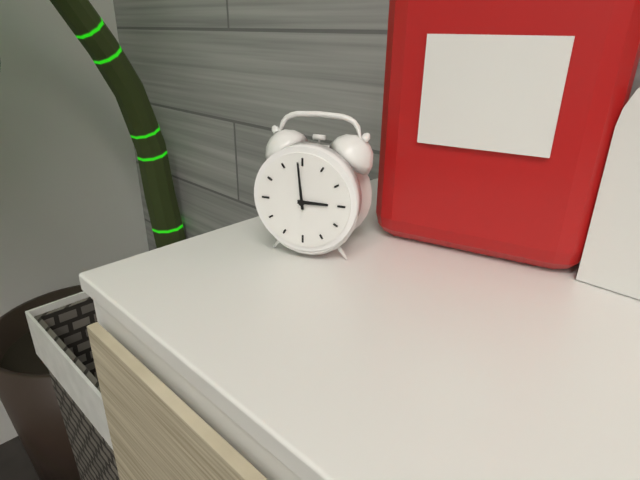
2:59
